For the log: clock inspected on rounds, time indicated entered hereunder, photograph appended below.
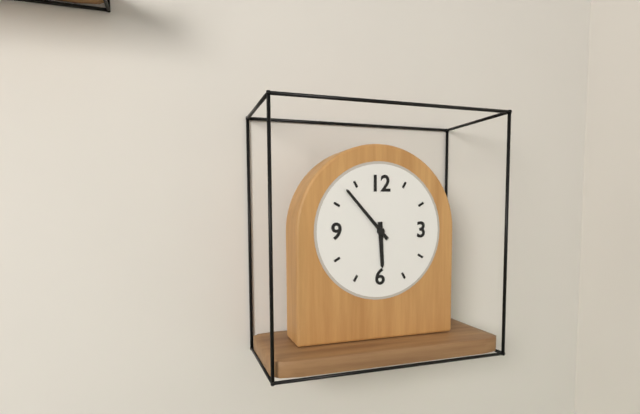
5:53
